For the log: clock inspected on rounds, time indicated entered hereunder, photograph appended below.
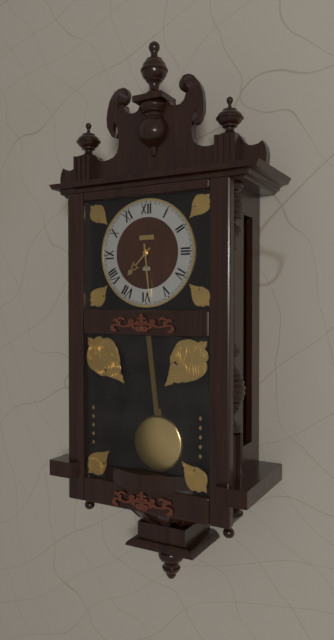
7:29
